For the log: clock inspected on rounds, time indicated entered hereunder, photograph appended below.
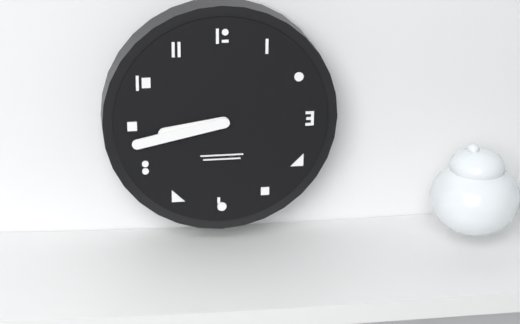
8:43
